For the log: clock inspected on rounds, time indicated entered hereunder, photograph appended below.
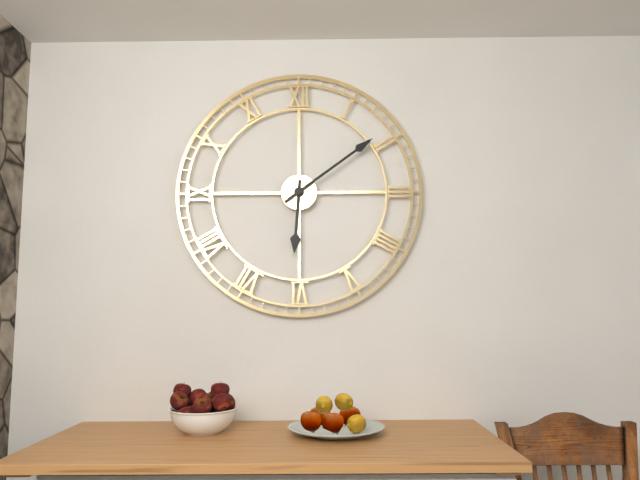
6:09
